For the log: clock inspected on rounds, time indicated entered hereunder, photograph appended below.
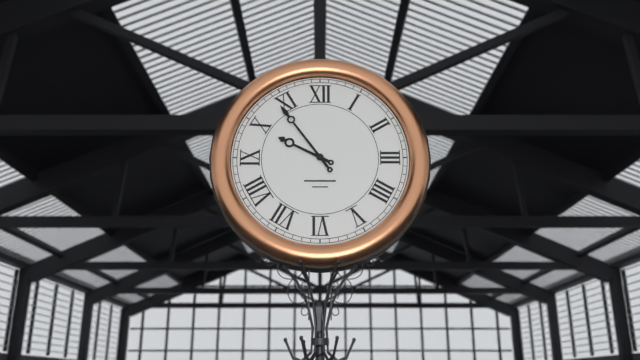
9:54
